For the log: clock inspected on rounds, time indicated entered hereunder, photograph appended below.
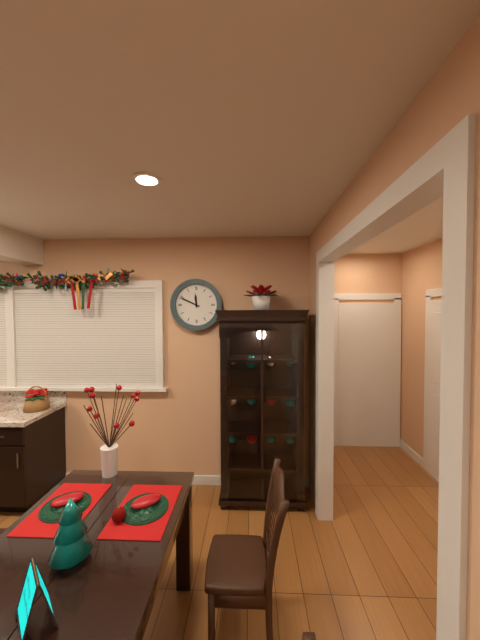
11:49
